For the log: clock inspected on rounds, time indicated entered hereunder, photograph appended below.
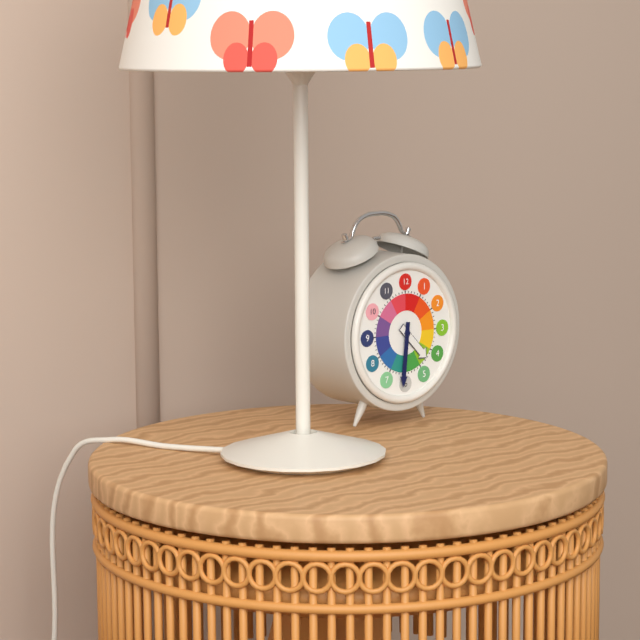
4:31
